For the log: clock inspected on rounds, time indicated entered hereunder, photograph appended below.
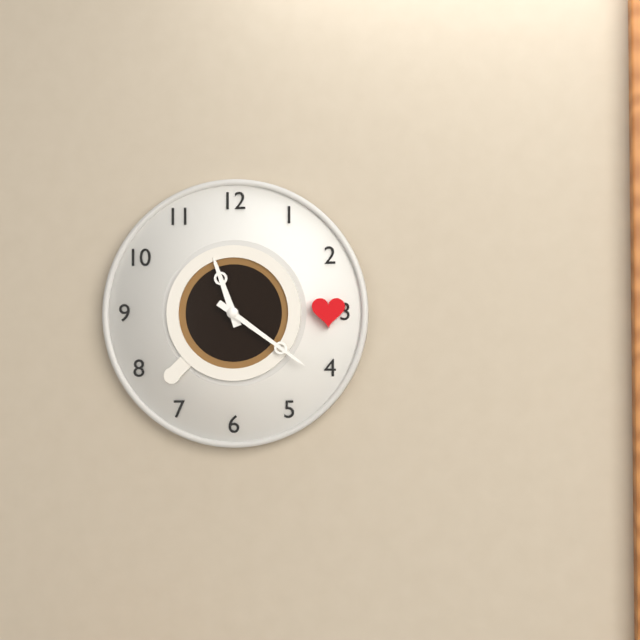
11:21
